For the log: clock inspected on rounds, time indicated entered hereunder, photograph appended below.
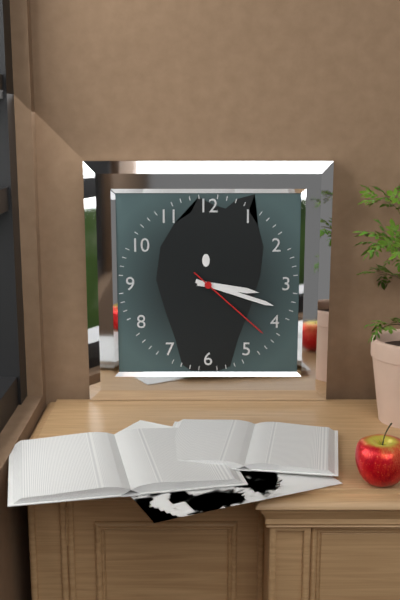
3:18:22
